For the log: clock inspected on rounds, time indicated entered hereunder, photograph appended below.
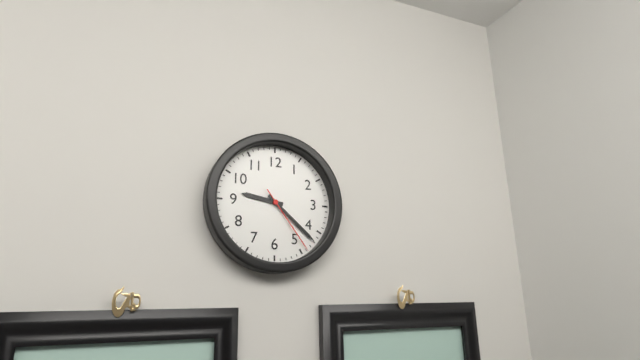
9:22:24
